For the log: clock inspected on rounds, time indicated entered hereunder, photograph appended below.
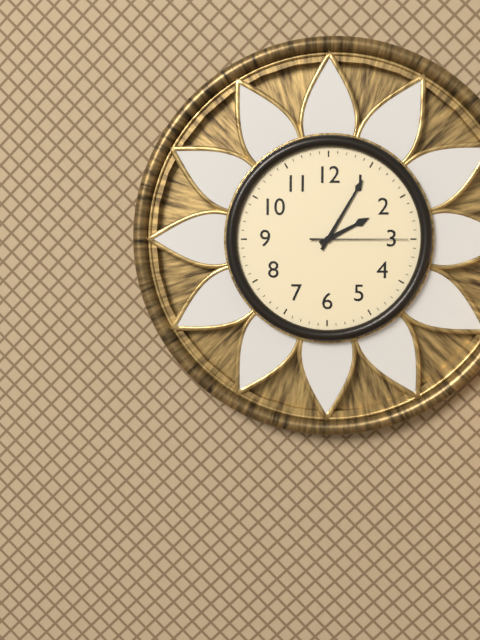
2:05:15
